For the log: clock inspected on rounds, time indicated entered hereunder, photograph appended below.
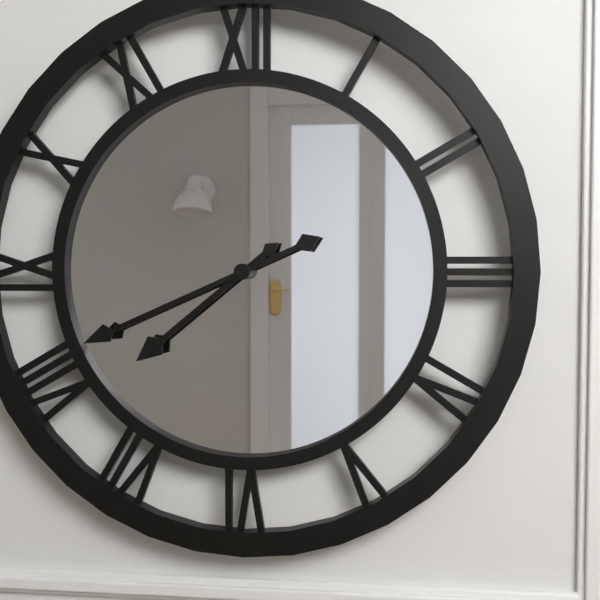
7:41
